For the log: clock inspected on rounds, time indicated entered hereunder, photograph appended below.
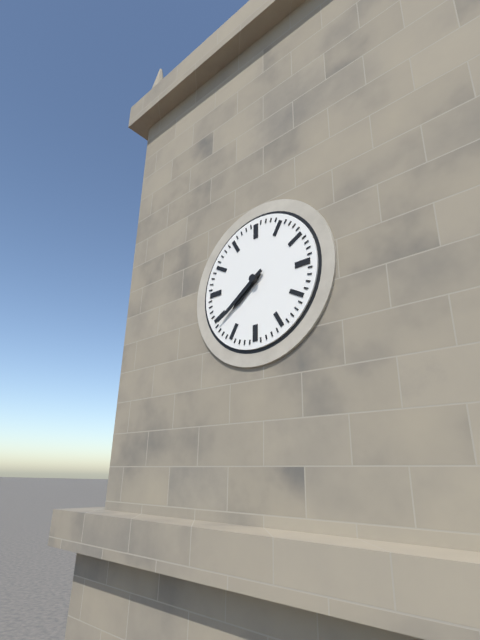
7:39
